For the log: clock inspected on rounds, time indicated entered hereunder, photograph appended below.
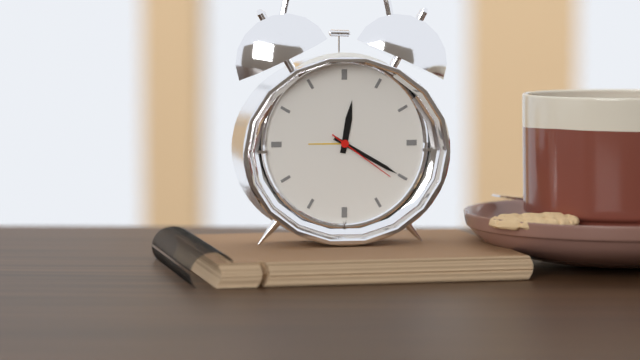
12:20:21
